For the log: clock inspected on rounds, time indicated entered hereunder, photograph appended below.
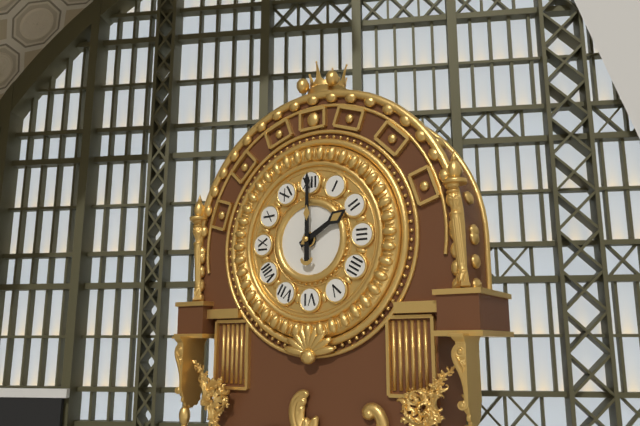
2:00
